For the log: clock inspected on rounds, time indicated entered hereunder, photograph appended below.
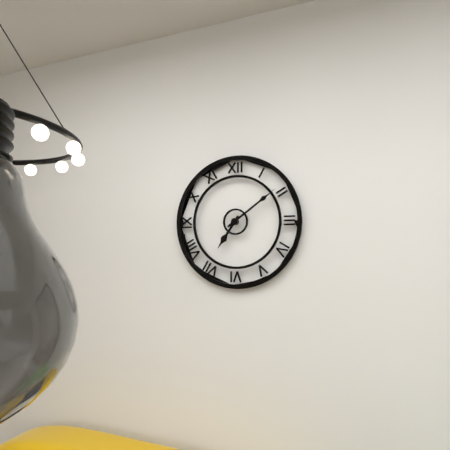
7:09
